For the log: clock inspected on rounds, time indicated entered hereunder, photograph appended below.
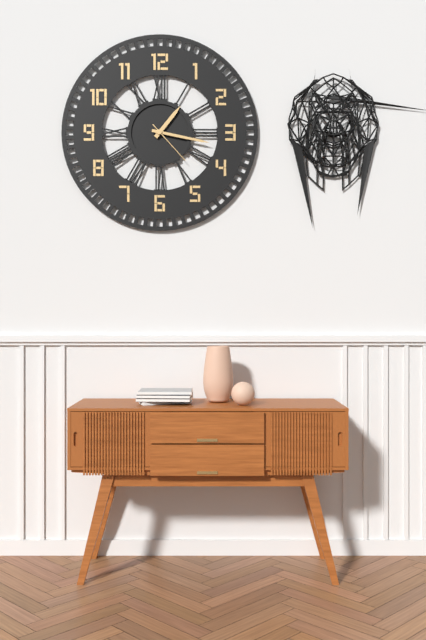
1:17
